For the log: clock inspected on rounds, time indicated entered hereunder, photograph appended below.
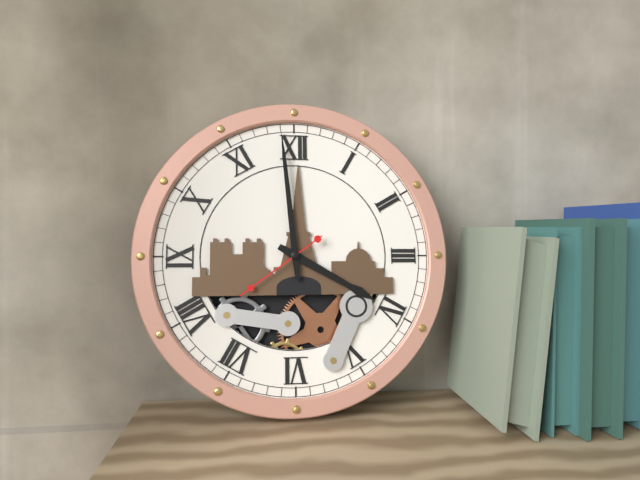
3:59:39
